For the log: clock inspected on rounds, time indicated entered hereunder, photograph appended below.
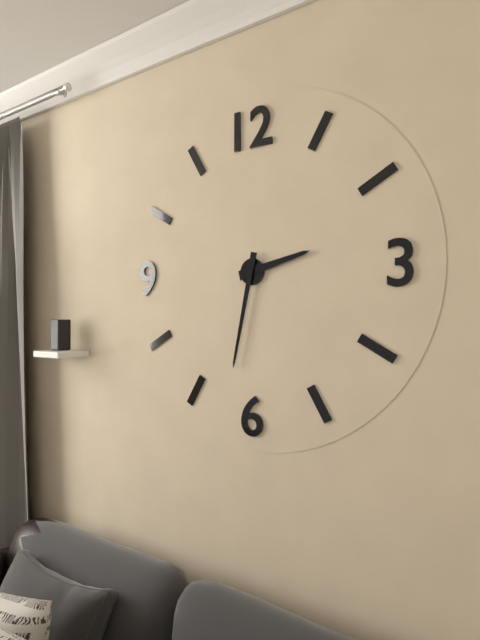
2:32
